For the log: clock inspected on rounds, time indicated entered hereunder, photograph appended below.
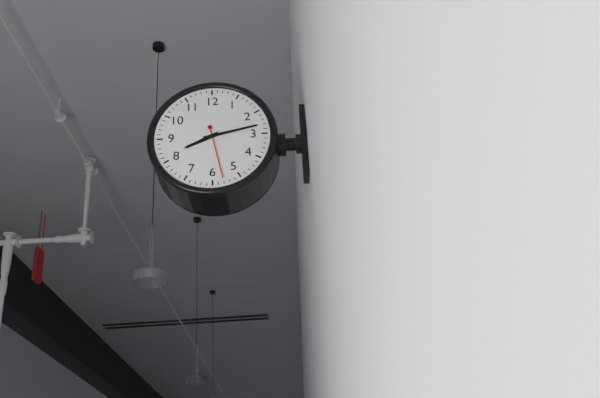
8:13
